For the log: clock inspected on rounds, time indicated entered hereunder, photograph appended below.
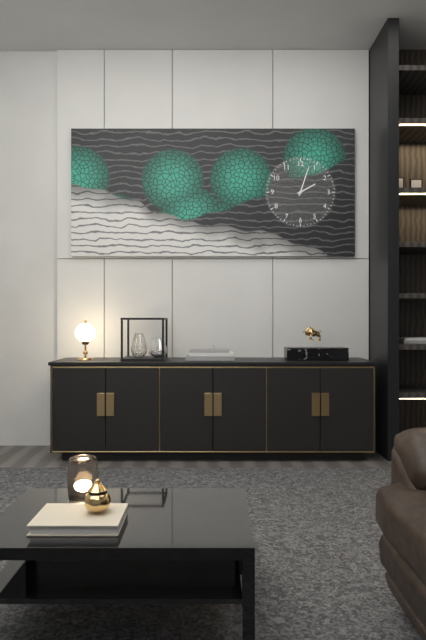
2:03
